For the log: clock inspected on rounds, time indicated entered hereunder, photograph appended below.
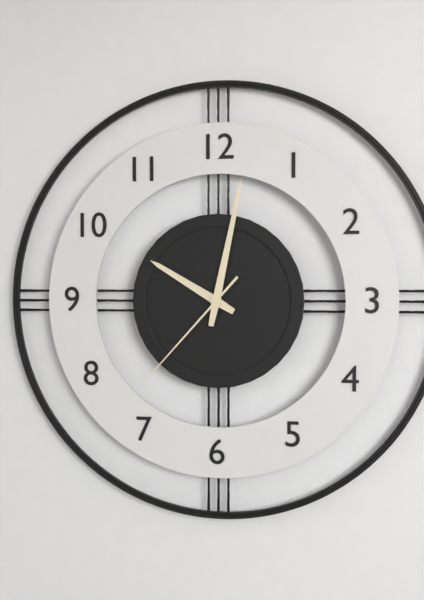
10:02:37
